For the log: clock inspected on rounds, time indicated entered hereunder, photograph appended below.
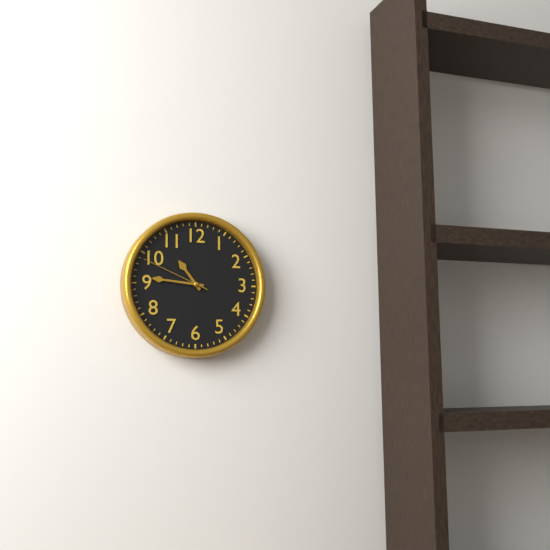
10:46:49
